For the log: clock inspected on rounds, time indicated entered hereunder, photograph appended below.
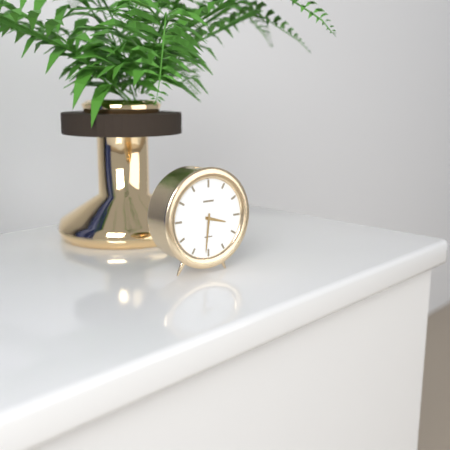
3:31
